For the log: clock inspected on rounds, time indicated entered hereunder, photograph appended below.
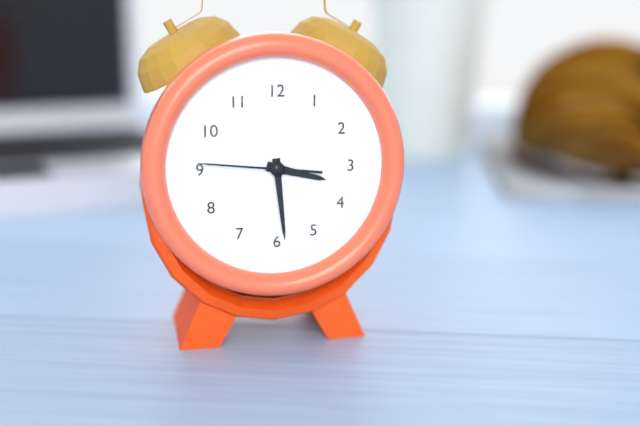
3:29:46
